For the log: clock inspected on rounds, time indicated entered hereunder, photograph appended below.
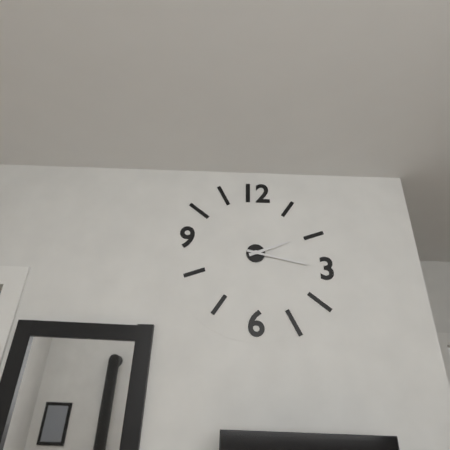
2:17
